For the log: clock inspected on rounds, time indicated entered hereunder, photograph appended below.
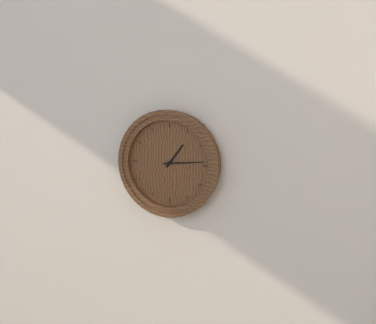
1:14
